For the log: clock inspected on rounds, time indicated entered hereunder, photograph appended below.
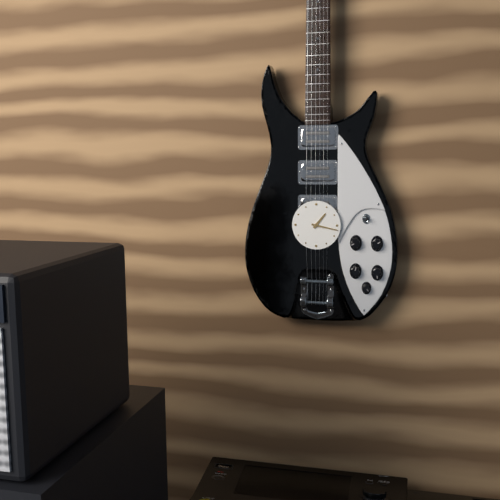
1:17
